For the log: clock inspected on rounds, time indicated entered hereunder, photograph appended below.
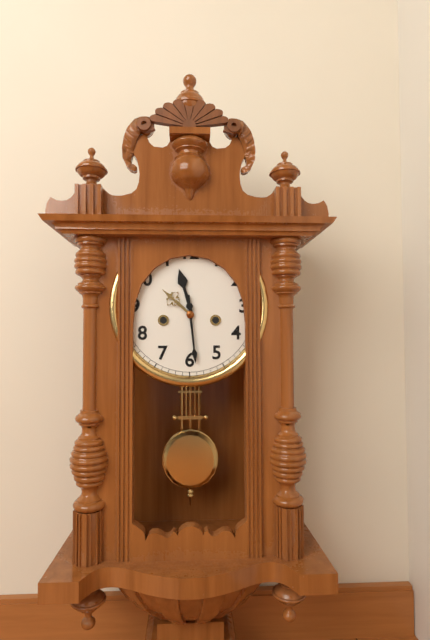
11:29
